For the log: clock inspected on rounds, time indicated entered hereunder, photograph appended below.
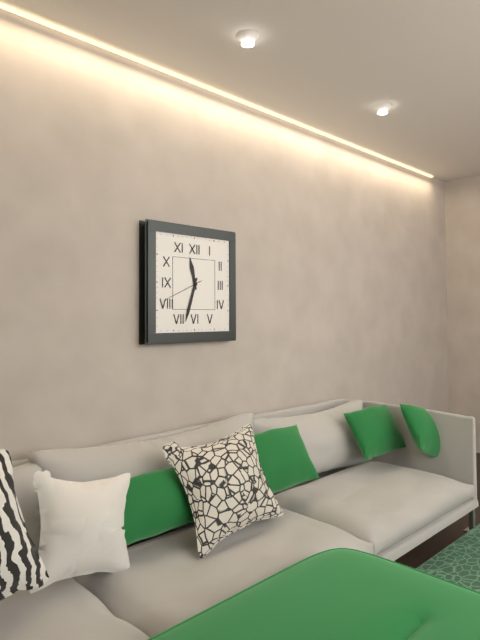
11:33
